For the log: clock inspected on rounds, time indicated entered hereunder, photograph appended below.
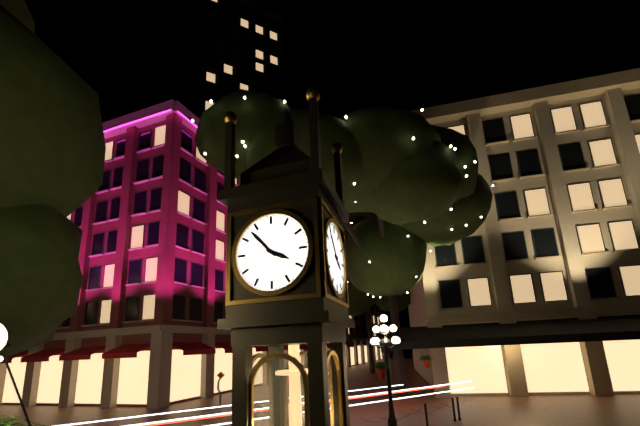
3:53
